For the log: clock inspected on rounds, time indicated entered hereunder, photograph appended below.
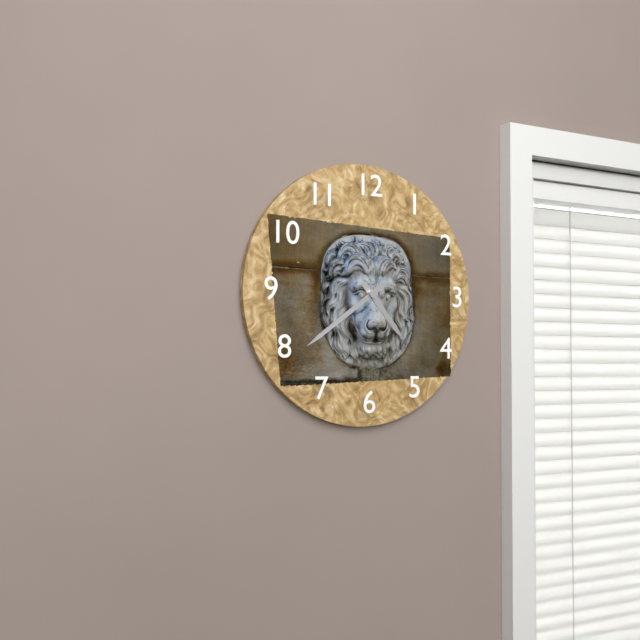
4:39
